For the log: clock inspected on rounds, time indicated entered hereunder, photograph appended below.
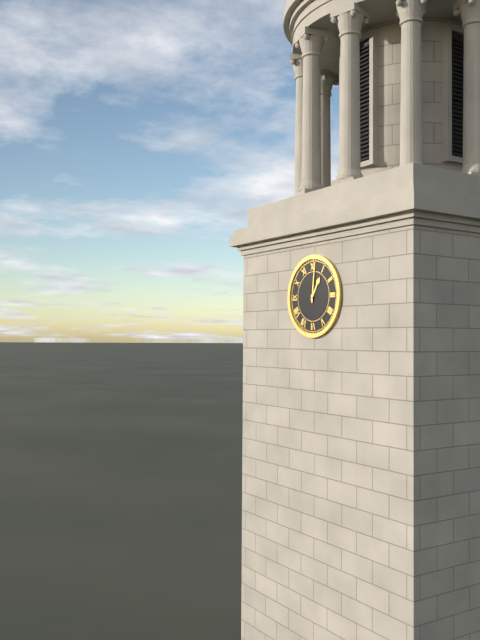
1:01
